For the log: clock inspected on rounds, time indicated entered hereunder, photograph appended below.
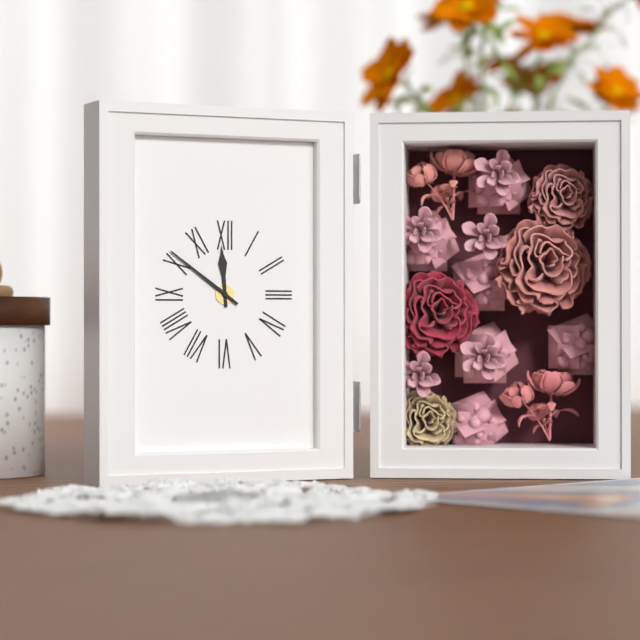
11:51
